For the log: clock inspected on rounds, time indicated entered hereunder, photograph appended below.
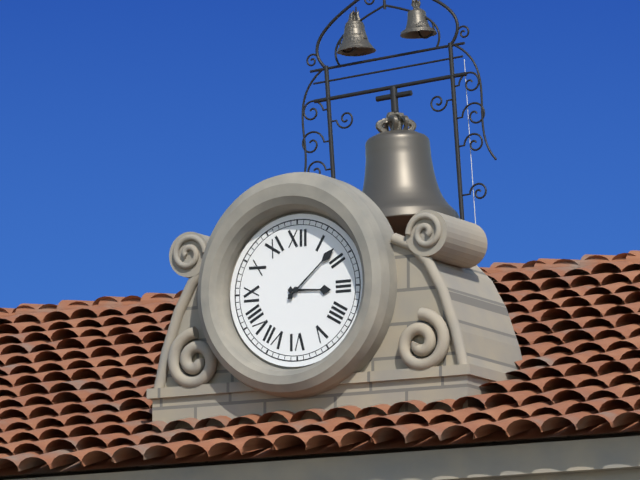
3:08
